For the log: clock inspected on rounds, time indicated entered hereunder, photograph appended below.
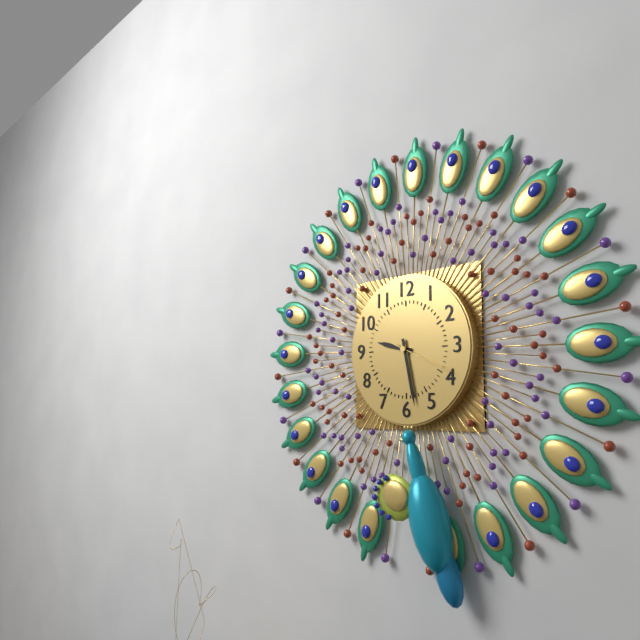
9:28:19
